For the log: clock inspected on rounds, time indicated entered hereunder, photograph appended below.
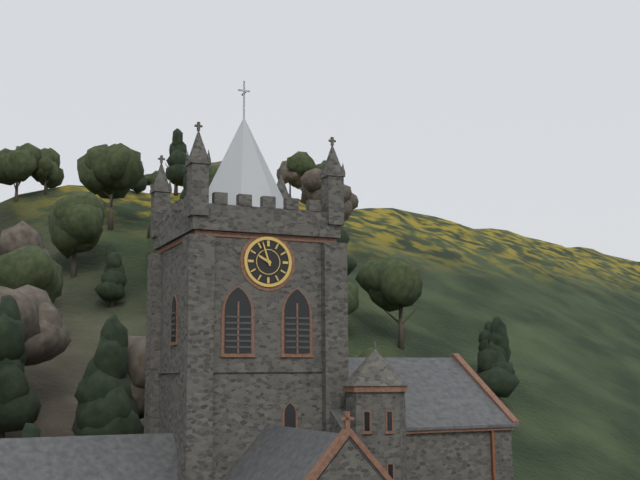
9:57
